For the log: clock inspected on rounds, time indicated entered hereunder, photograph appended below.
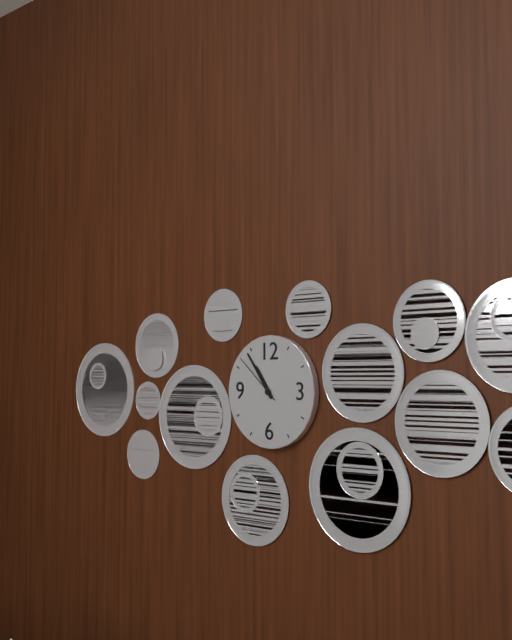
10:54:52
